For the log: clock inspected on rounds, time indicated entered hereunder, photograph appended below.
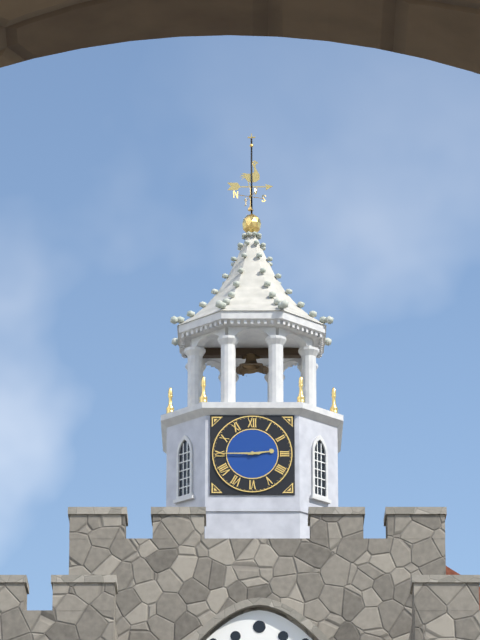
2:45
